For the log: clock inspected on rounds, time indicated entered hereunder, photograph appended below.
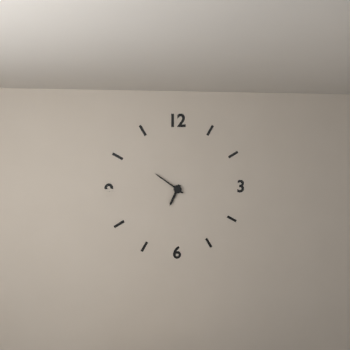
6:51
